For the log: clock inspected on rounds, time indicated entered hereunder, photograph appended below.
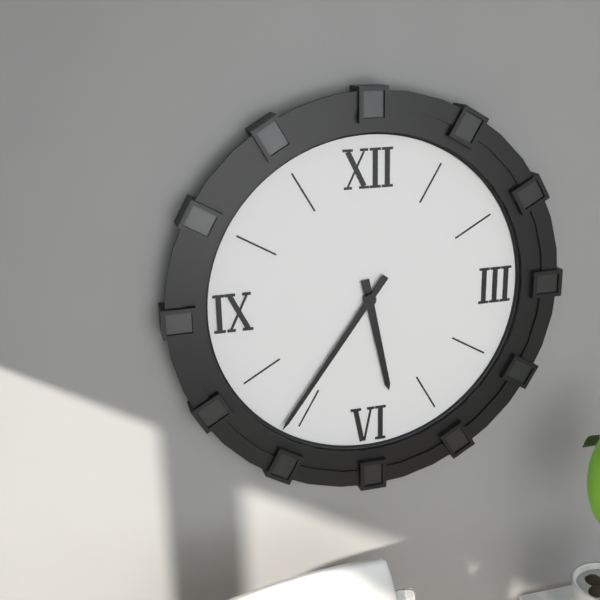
5:36
